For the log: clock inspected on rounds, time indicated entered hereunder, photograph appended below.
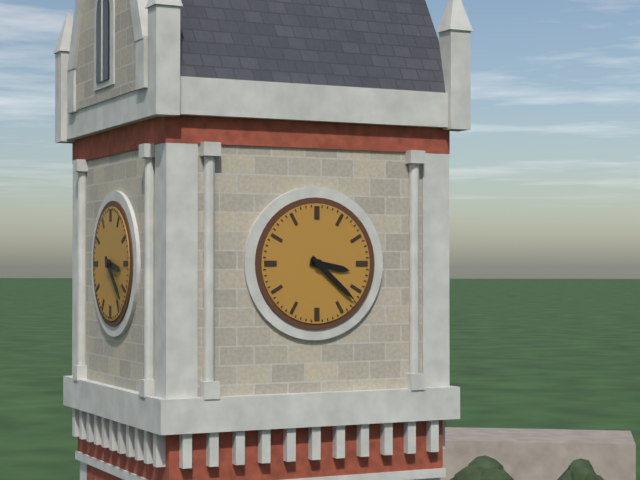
3:22
